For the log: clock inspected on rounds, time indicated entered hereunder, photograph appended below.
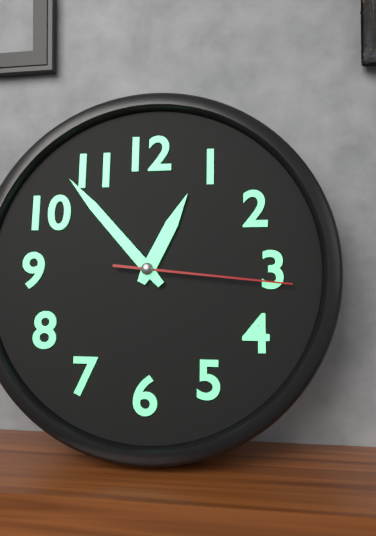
12:53:16
